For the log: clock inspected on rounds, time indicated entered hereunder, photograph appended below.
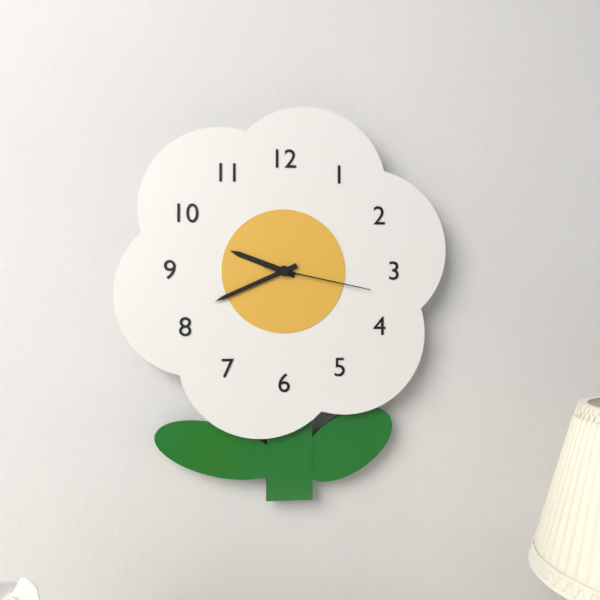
9:41:17
